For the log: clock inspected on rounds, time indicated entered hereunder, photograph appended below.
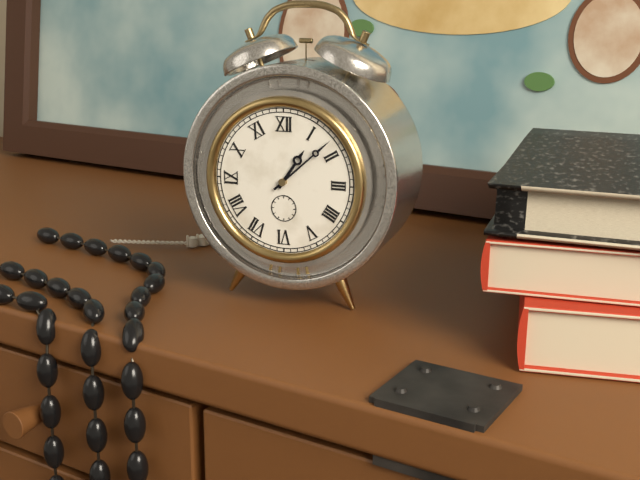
1:08
